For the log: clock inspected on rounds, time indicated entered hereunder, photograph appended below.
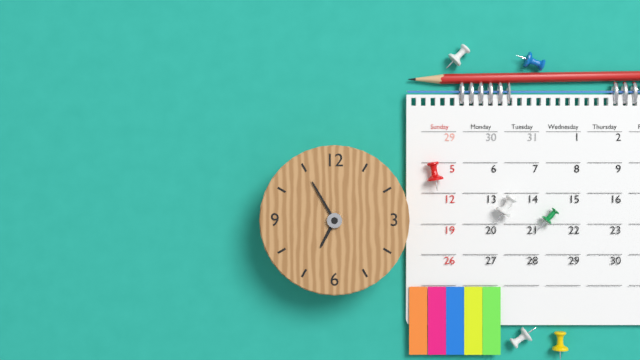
6:55
